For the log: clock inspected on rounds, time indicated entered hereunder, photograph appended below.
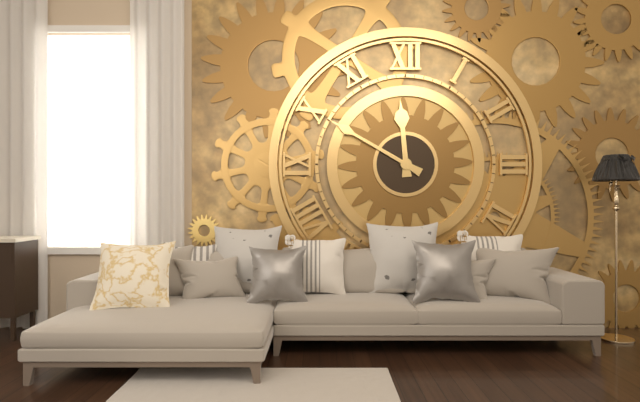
11:50
